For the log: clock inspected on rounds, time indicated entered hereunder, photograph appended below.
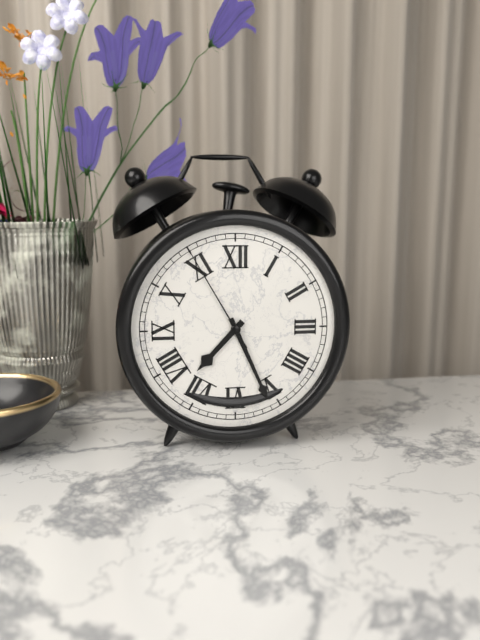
7:26:55
